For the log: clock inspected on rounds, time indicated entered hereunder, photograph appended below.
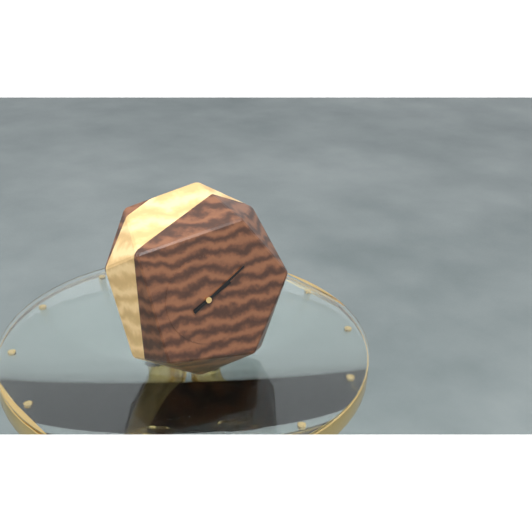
2:10
